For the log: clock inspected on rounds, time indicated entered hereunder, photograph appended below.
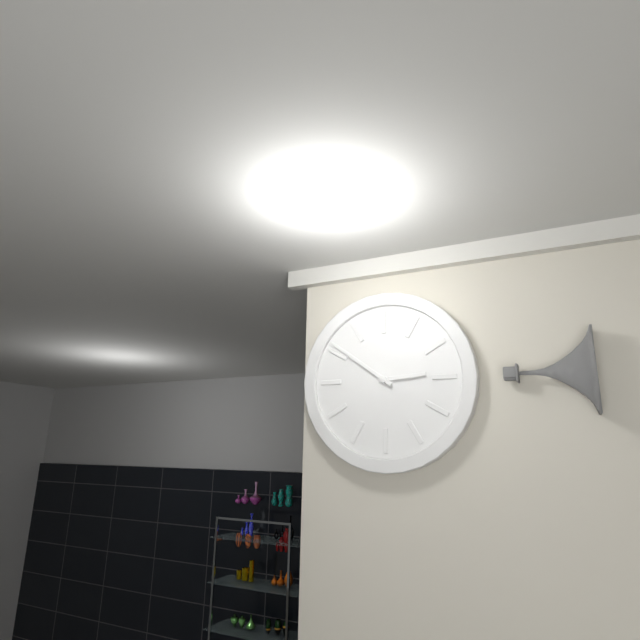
2:51
